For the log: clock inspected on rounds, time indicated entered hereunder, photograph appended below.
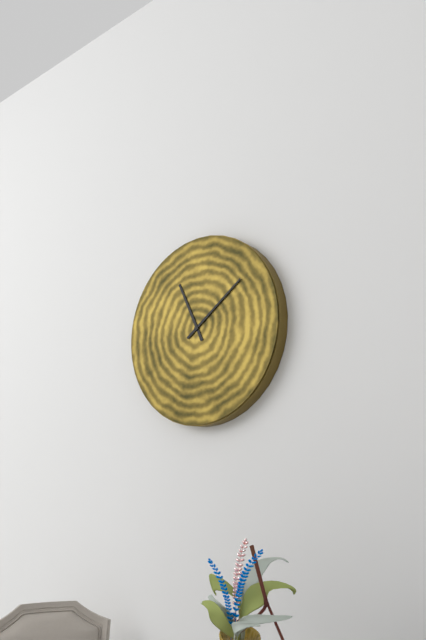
11:09
